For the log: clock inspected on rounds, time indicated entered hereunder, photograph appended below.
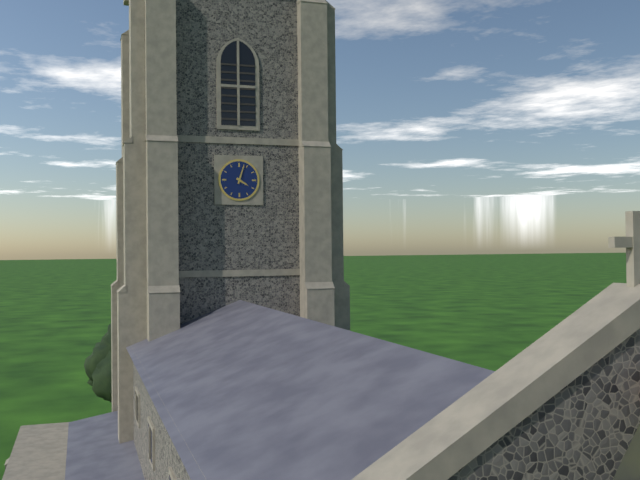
4:03
